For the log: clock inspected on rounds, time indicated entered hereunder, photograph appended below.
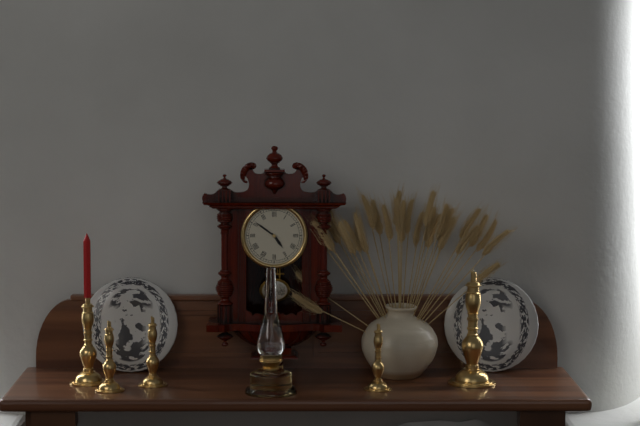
4:51
